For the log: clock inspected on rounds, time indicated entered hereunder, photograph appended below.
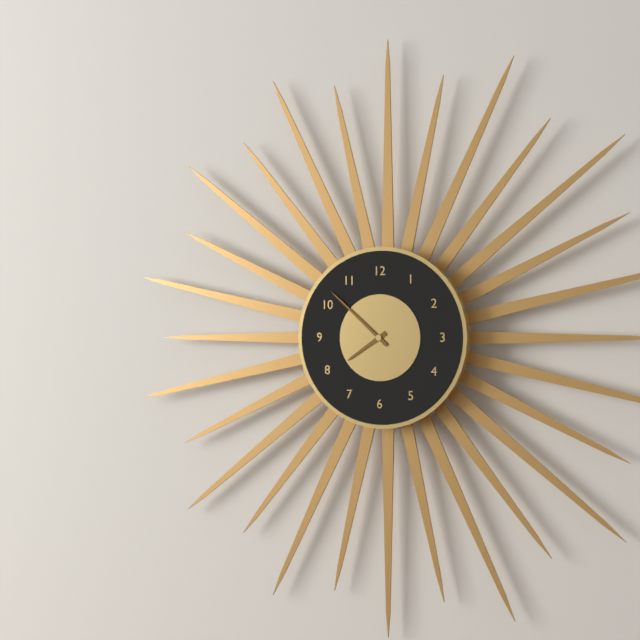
7:52
